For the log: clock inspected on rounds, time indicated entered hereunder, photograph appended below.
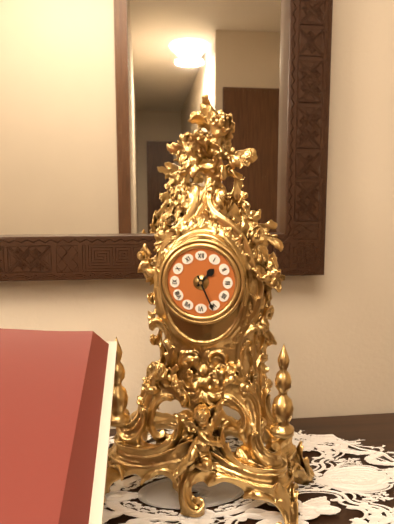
1:26
